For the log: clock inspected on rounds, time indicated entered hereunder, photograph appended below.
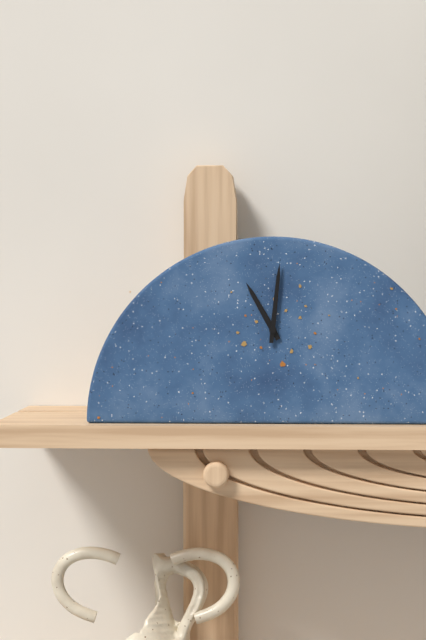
11:01
